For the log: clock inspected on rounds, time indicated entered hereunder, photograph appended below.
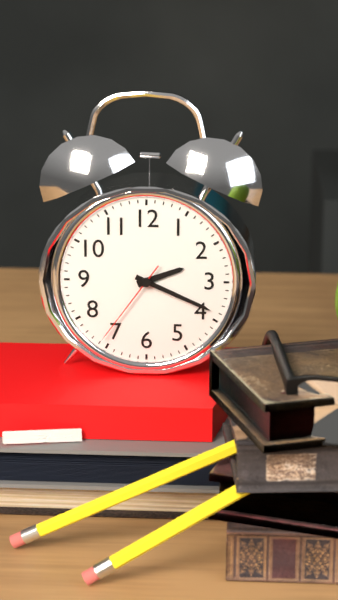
2:19:36
